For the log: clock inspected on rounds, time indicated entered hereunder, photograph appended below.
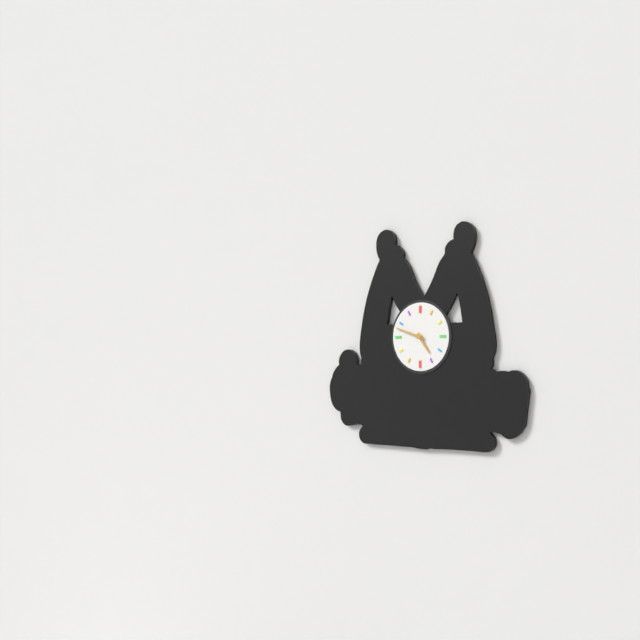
4:48
